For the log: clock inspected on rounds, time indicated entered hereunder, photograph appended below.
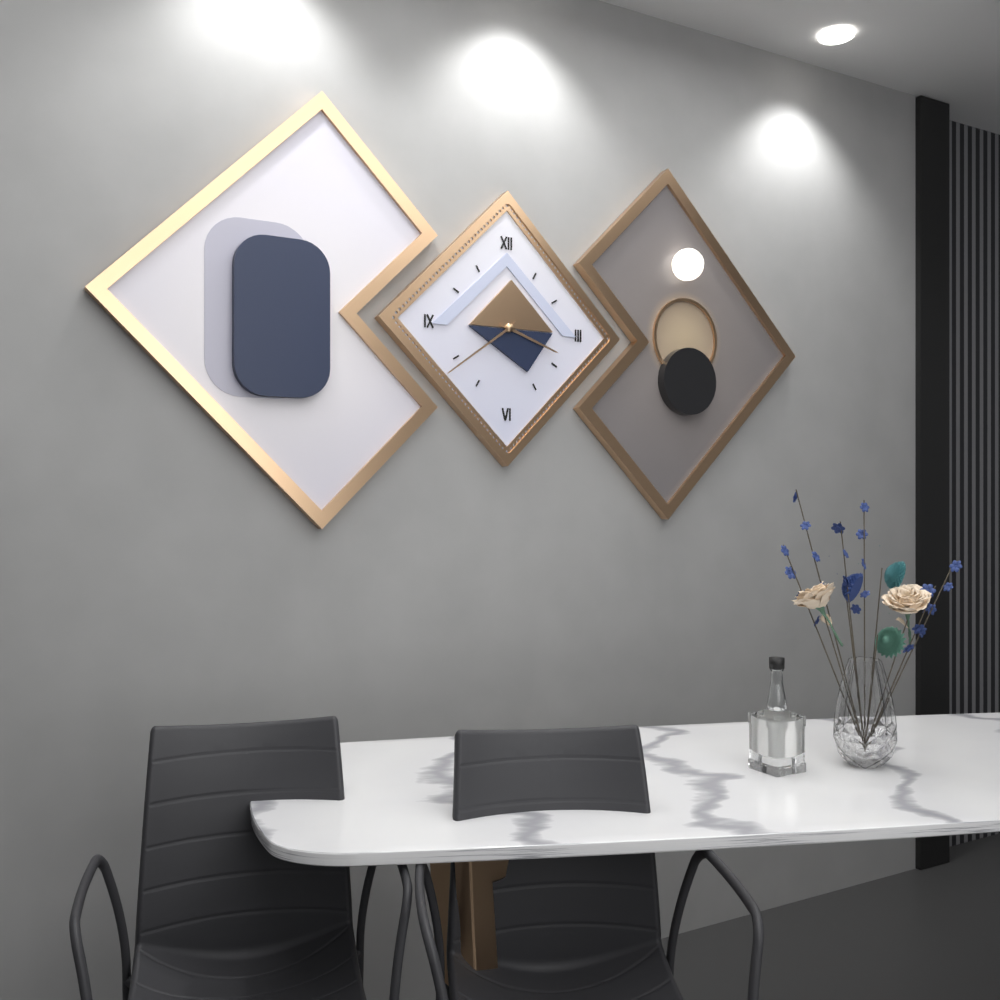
3:39
